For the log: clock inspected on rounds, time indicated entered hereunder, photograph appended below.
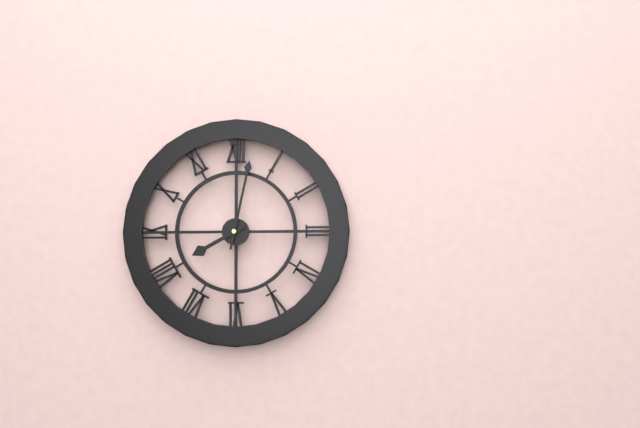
8:02
